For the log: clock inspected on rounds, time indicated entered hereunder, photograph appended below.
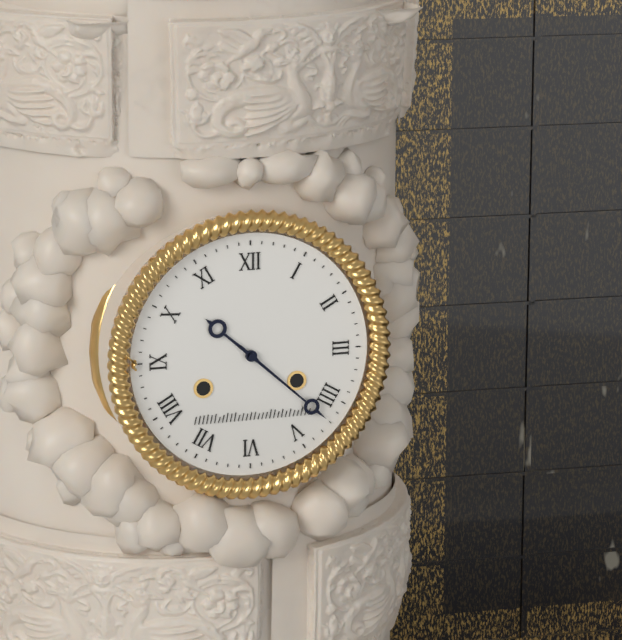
10:22
